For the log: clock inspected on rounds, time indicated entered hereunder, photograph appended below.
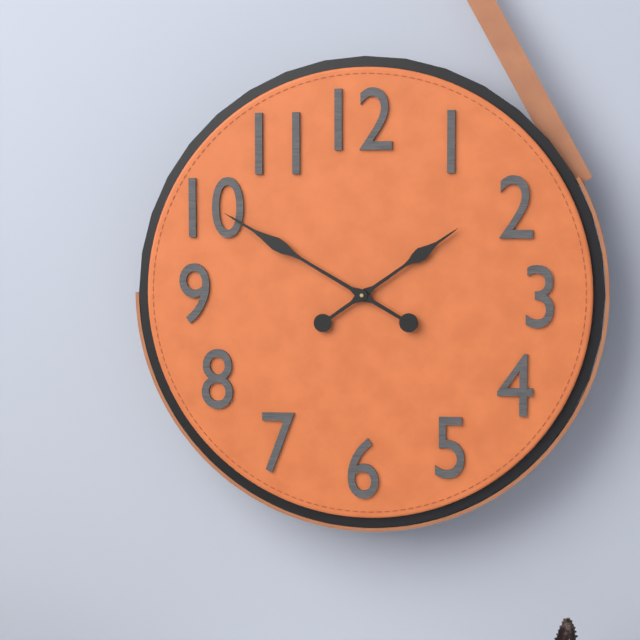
1:50
